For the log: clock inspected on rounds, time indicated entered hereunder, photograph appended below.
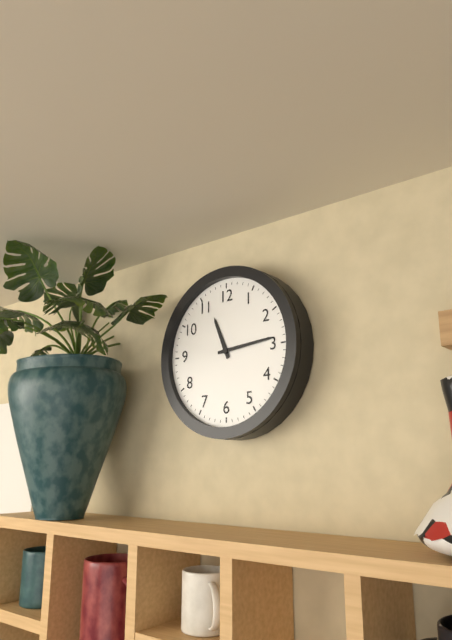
11:14
